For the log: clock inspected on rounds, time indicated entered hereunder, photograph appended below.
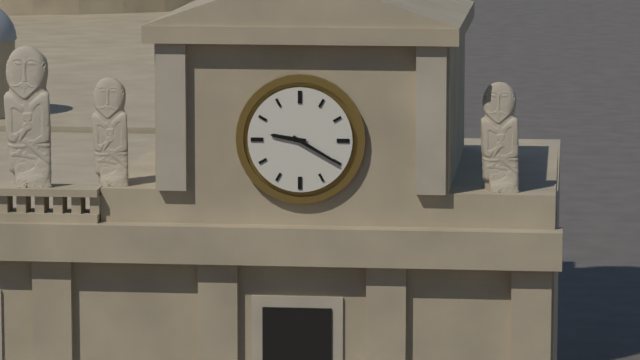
9:20
